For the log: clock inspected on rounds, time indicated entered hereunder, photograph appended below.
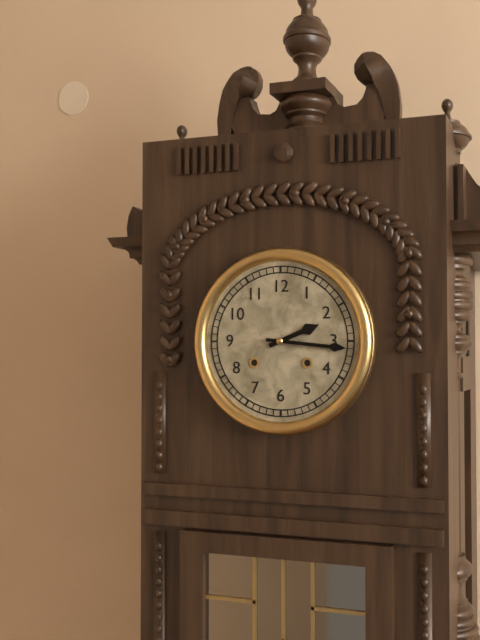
2:16
